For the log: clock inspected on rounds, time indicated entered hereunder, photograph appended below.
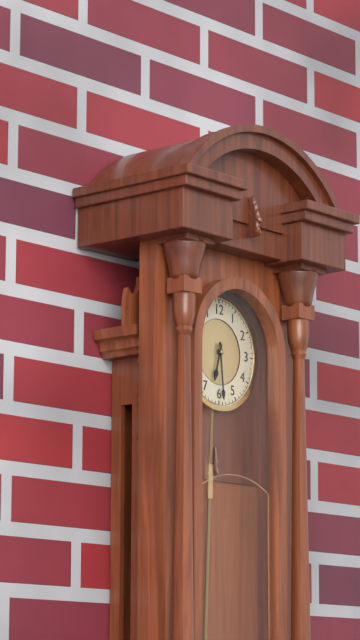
6:29
